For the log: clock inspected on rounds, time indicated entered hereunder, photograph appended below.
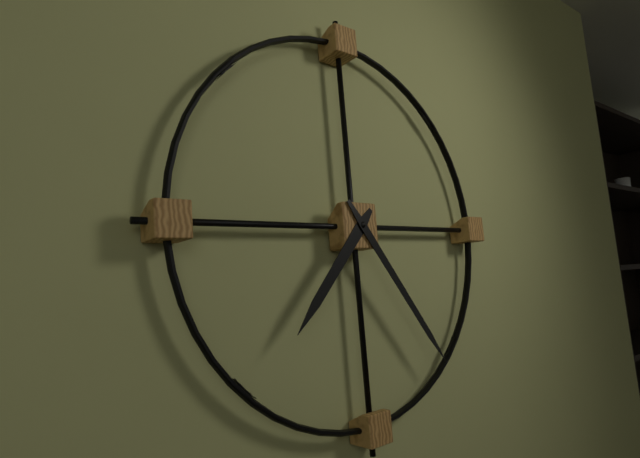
7:24
